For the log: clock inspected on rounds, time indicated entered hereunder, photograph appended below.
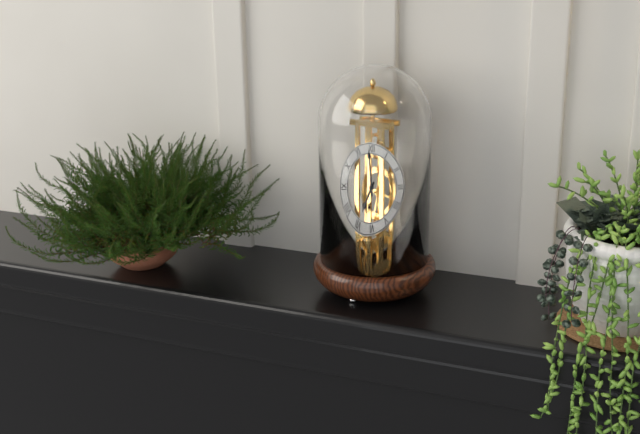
6:59
